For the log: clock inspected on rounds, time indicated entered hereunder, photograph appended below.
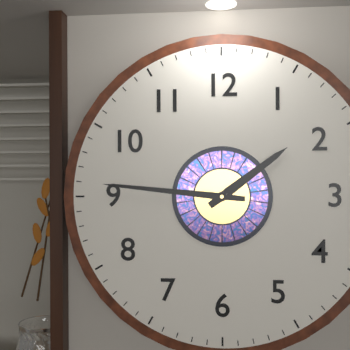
1:46
